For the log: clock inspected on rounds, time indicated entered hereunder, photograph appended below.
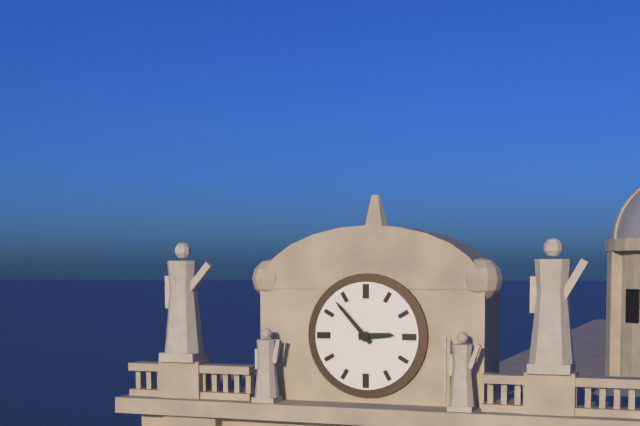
2:53
